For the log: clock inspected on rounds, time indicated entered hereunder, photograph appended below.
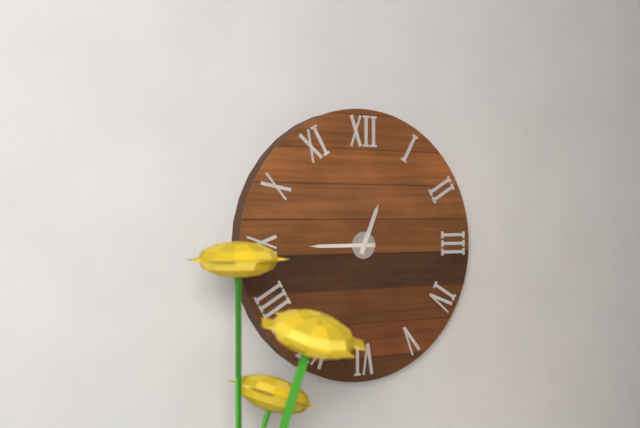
12:45
